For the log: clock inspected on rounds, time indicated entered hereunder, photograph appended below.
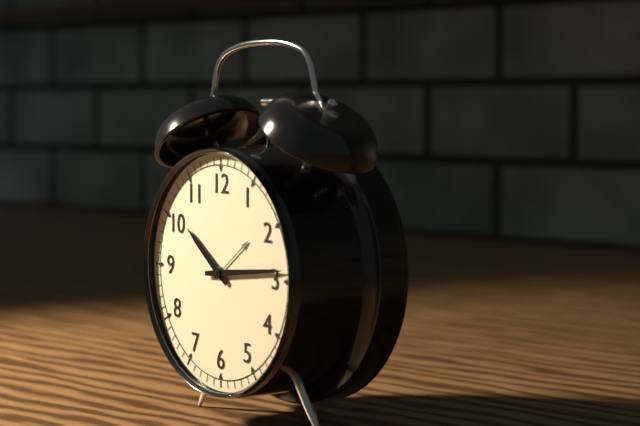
10:14
